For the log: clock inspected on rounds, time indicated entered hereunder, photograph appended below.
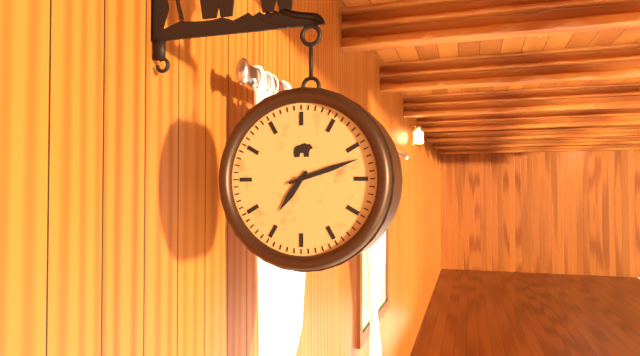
7:12
